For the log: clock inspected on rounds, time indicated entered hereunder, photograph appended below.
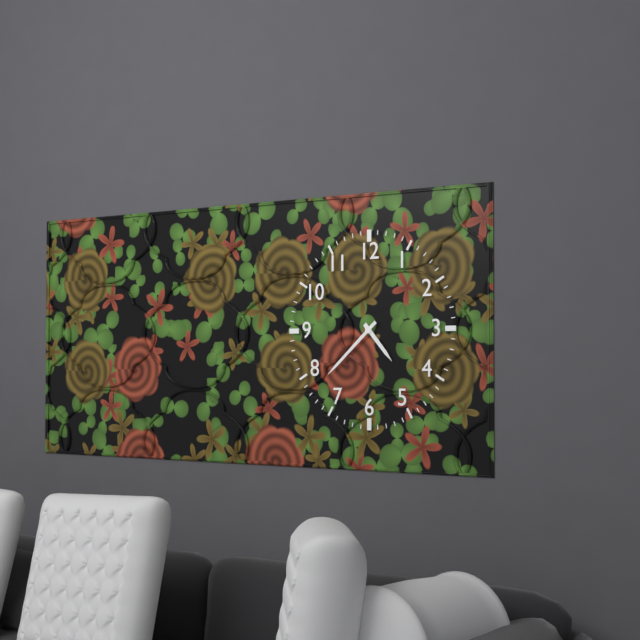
4:38
